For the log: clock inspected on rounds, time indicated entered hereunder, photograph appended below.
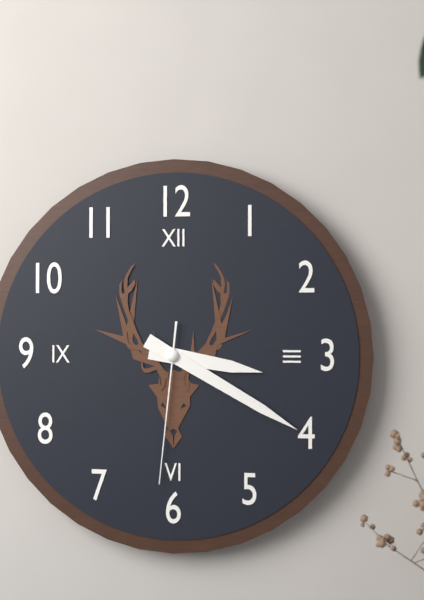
3:20:31
